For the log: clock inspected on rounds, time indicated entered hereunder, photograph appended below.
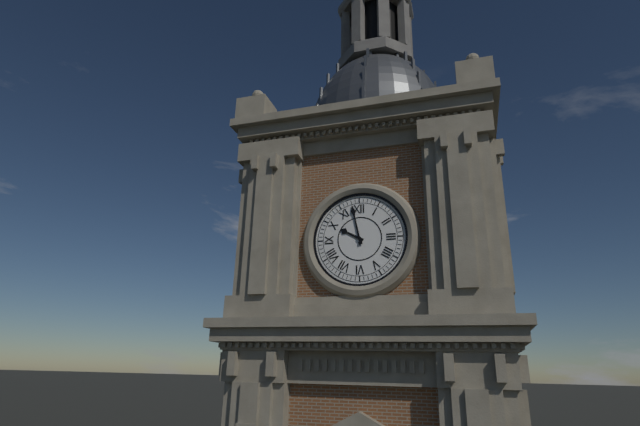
9:58
